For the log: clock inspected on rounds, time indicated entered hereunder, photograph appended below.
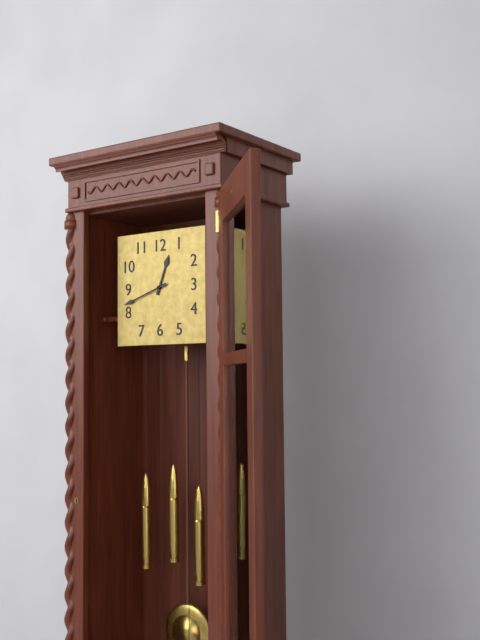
12:42
